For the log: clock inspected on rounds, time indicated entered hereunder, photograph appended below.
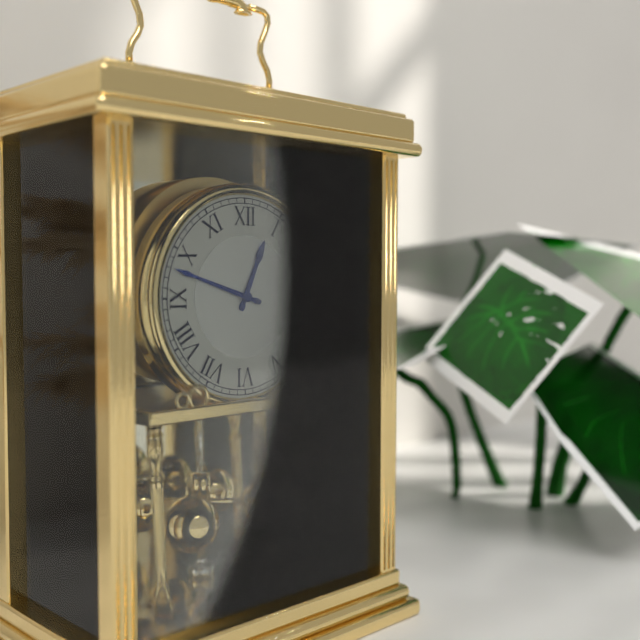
12:48
